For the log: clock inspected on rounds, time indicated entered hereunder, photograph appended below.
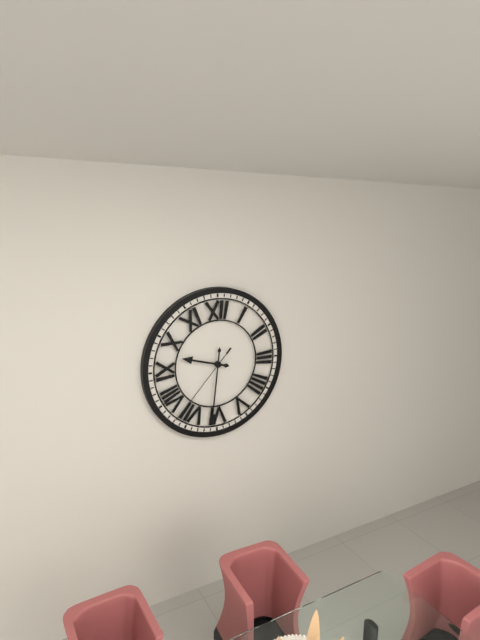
9:31:37
